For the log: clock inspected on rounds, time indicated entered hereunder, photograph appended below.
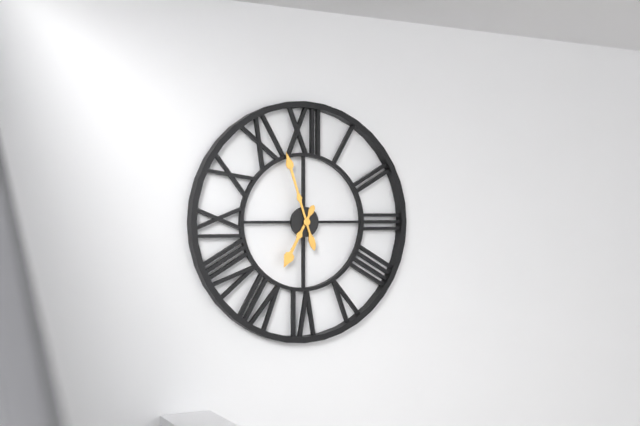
6:57
